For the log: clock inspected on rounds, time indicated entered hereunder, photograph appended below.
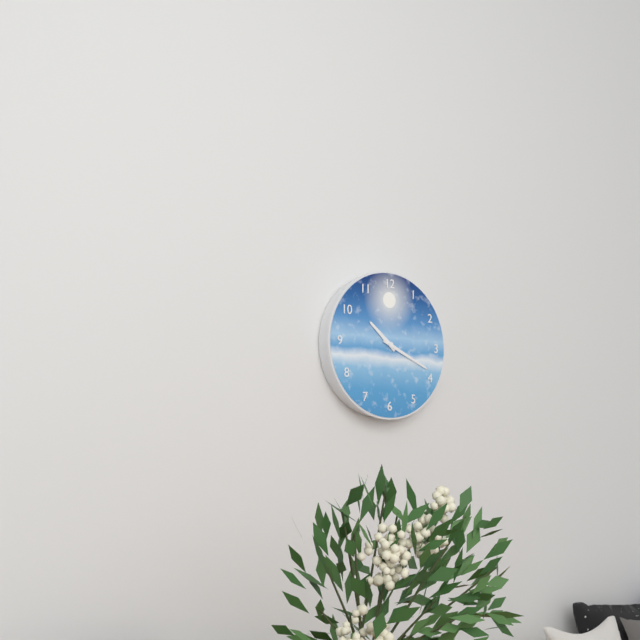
10:19
